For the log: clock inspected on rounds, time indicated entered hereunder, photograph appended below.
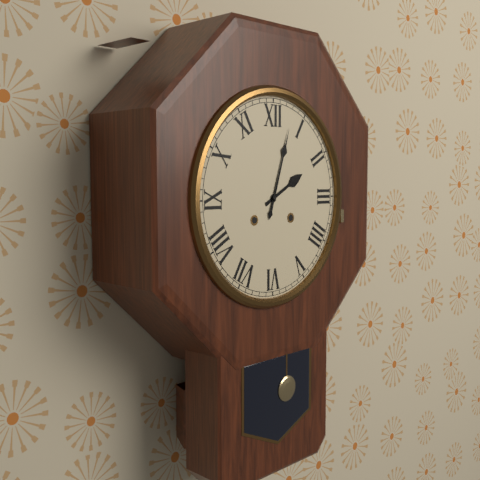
2:03
